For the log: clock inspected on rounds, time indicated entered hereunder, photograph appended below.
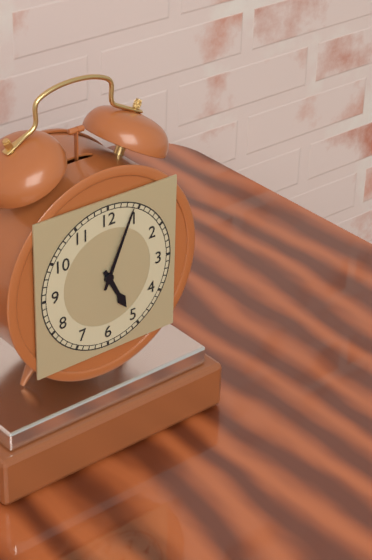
5:04
